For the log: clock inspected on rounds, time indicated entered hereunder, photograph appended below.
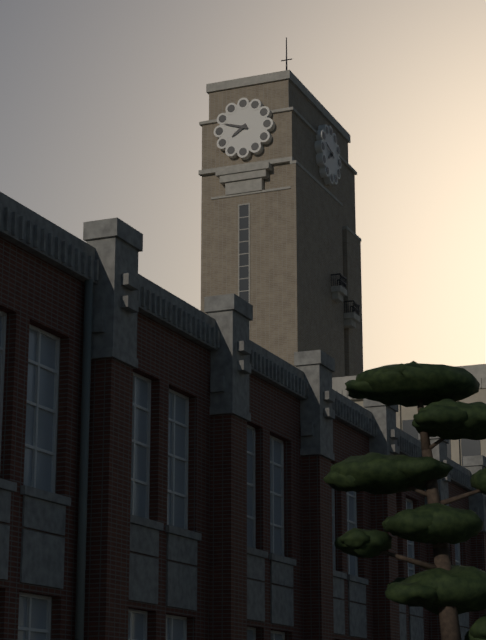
7:48
